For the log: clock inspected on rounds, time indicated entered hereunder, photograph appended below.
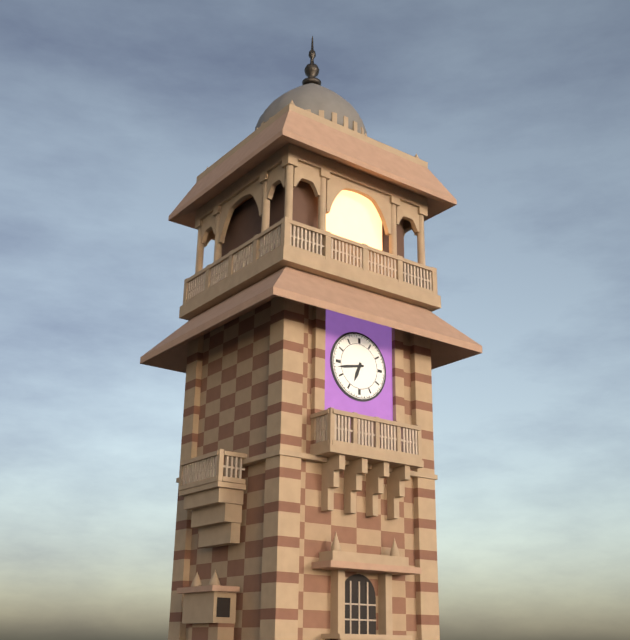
6:43
